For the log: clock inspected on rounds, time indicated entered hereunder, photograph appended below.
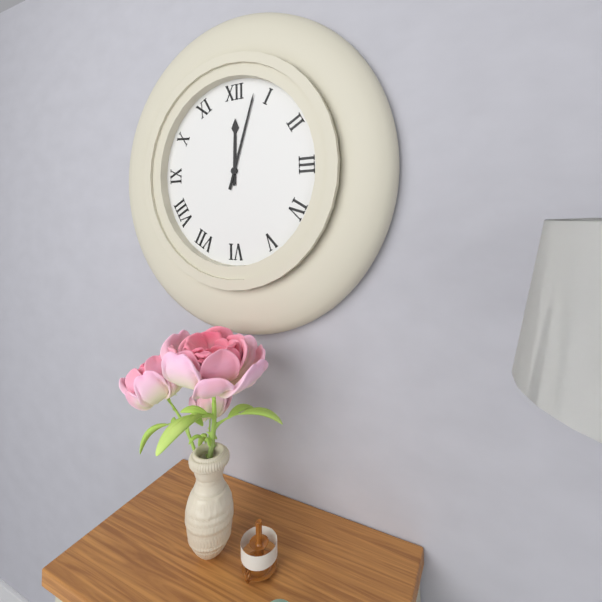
12:03
